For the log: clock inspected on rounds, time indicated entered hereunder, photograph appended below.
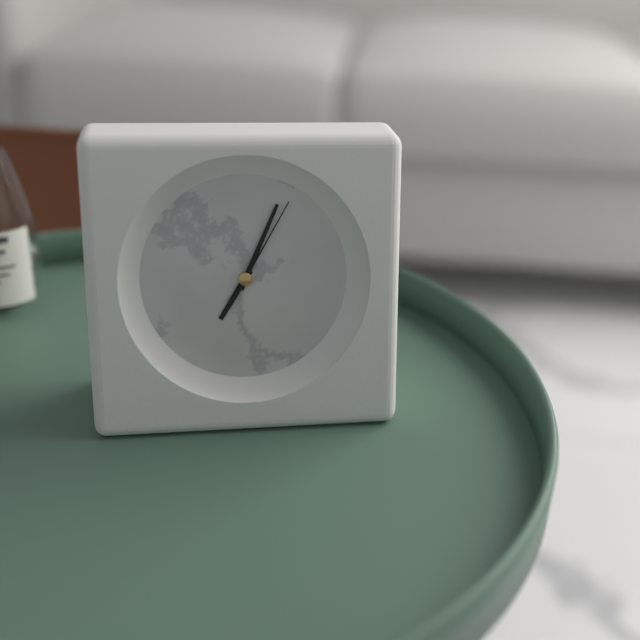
7:04:05
